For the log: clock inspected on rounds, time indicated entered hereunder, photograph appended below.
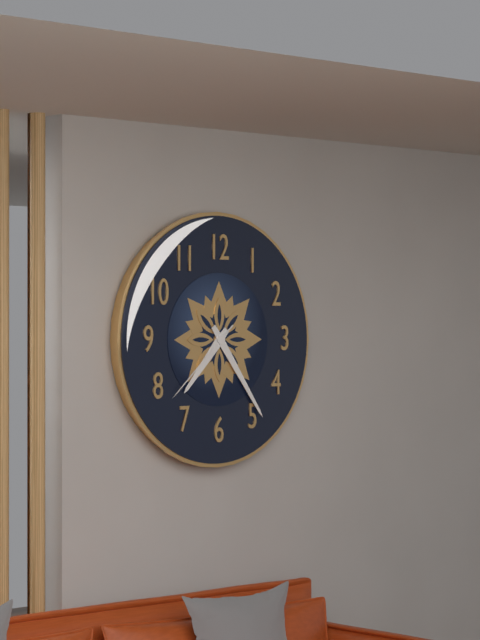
7:24:38
